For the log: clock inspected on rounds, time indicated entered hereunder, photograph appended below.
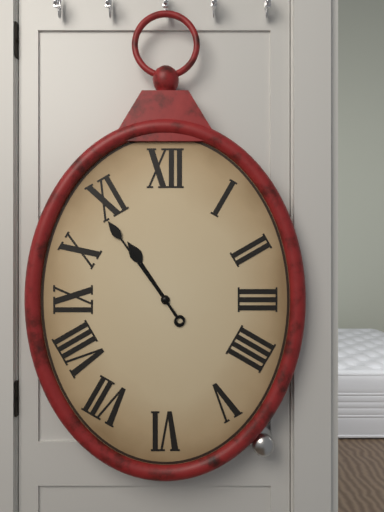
10:54
